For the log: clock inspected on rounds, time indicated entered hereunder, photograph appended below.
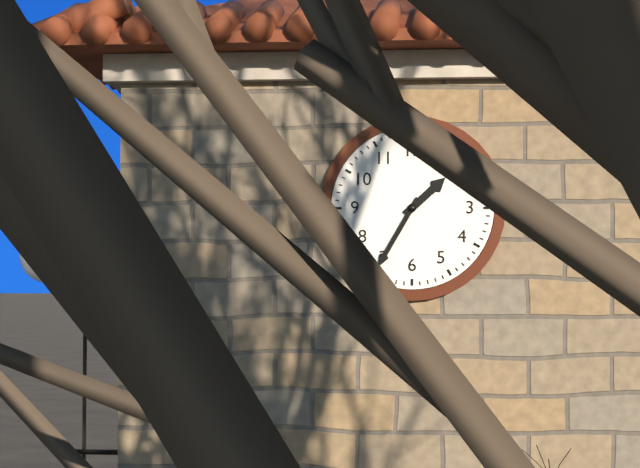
1:35
